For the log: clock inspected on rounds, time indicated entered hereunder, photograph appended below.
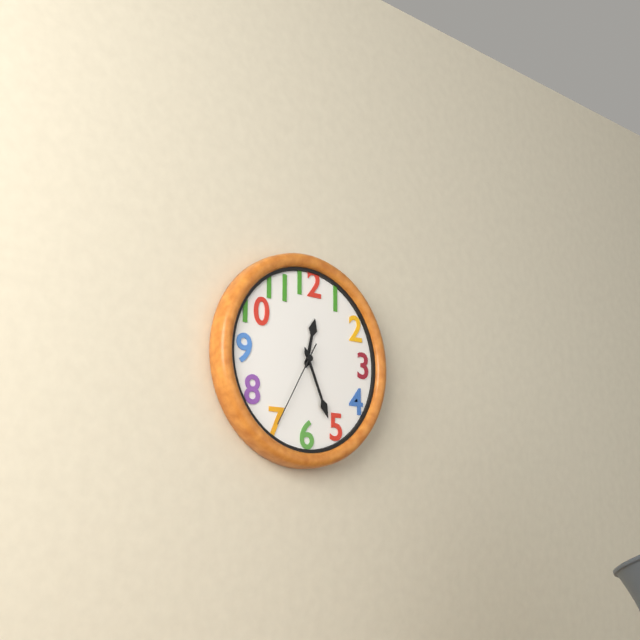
12:26:35
